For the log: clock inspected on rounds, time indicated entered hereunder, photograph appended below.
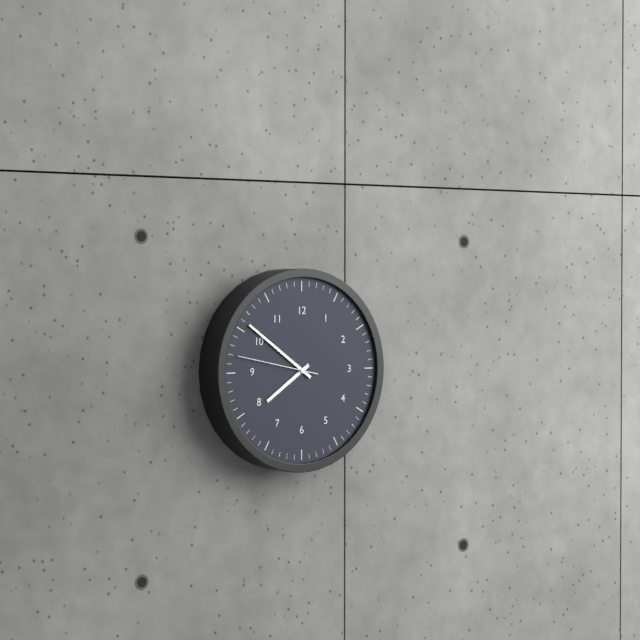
7:51:47
